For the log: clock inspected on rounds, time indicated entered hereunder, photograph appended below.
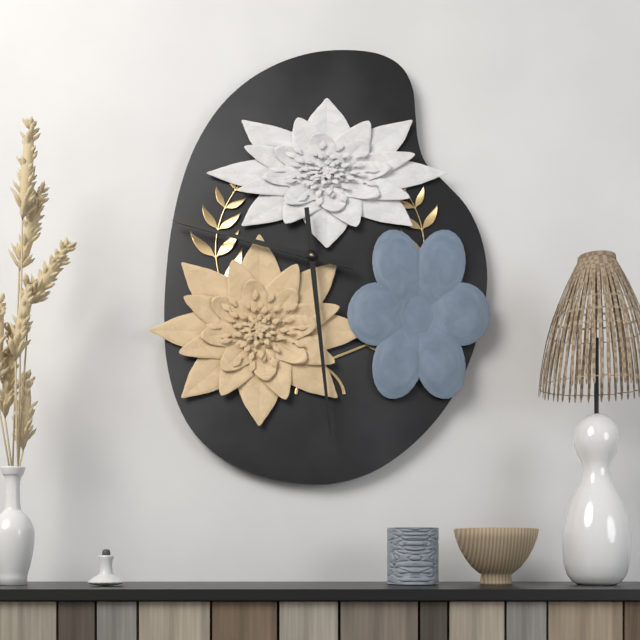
9:29
